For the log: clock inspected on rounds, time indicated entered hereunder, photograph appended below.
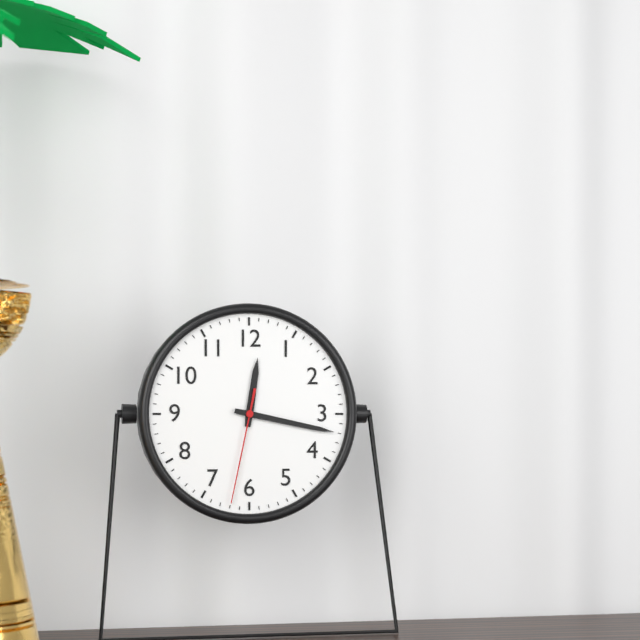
12:17:32
